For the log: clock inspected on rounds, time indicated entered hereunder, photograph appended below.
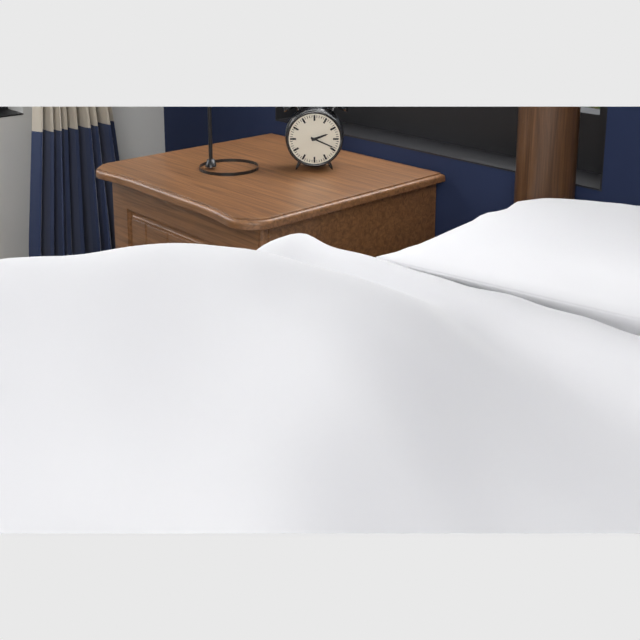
2:19
